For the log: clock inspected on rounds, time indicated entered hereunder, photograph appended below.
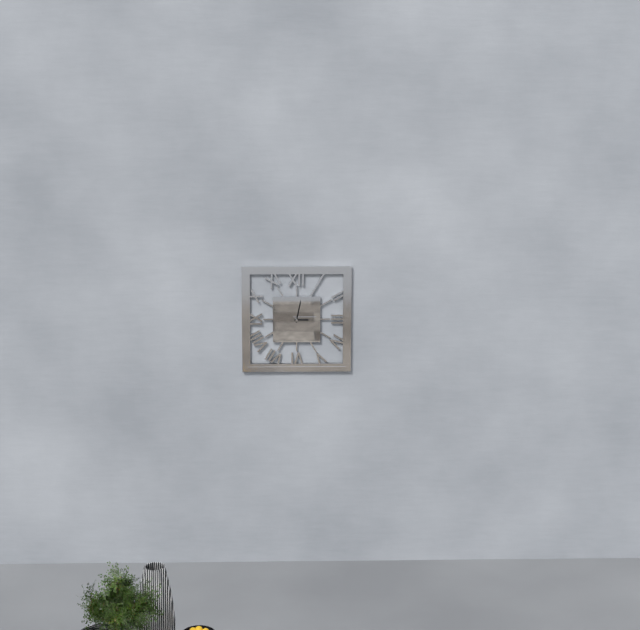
3:02
